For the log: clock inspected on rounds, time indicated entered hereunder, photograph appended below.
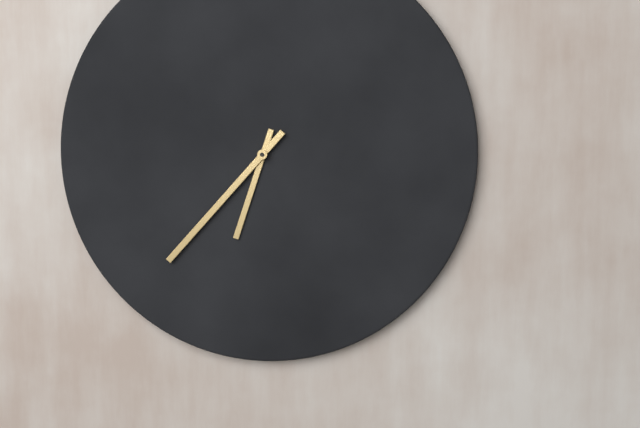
6:37
